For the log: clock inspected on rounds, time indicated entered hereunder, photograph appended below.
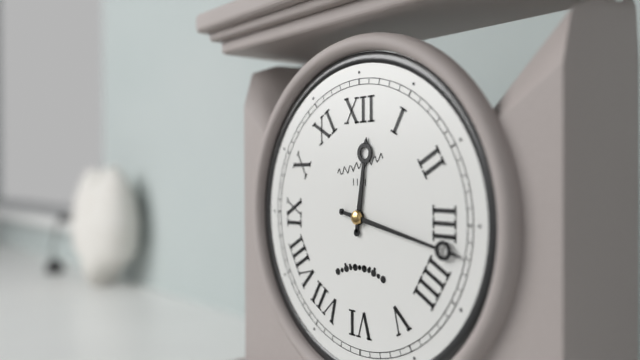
12:17
